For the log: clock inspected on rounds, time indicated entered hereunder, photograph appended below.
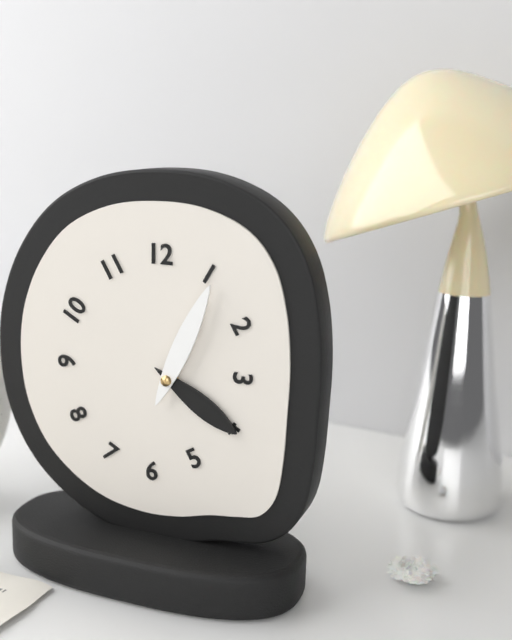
4:04
